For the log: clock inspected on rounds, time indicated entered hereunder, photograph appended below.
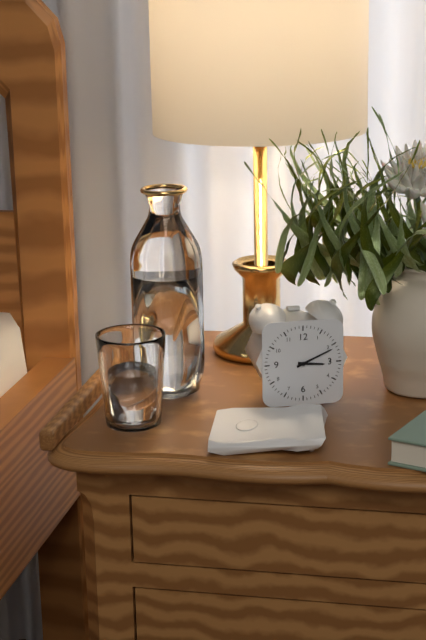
3:11
